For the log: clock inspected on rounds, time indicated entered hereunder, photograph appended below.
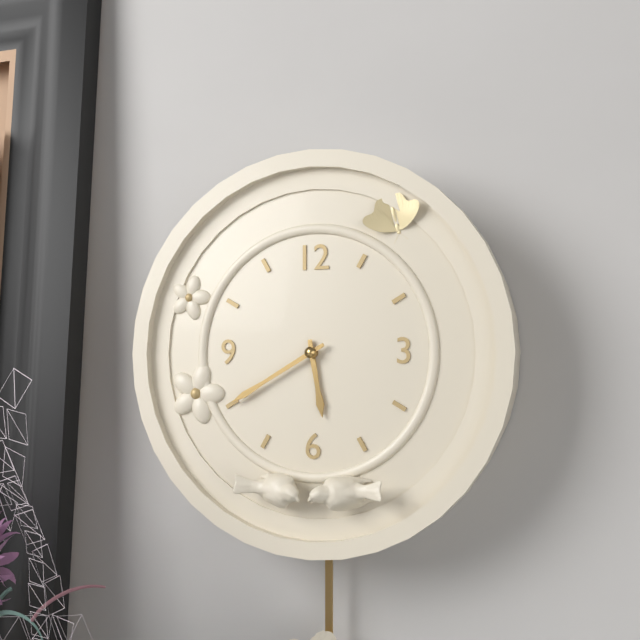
5:40
